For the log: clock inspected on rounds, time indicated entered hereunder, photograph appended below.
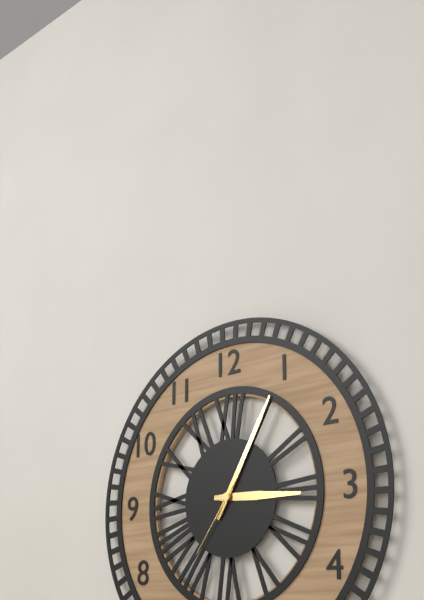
3:05:36
